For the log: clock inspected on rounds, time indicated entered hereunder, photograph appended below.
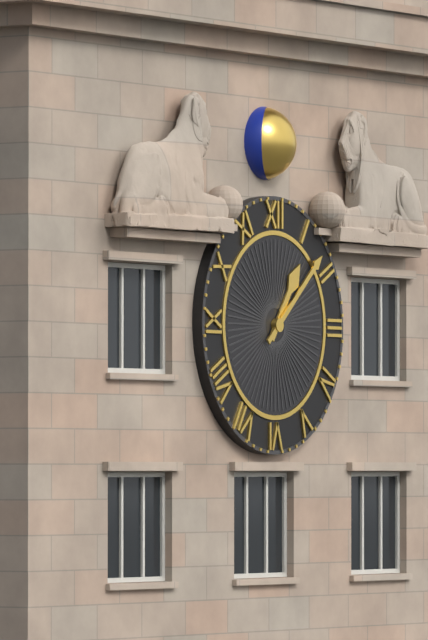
1:08
